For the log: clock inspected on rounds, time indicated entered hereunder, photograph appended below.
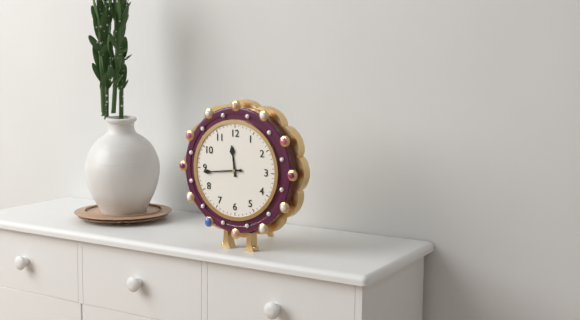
11:44
